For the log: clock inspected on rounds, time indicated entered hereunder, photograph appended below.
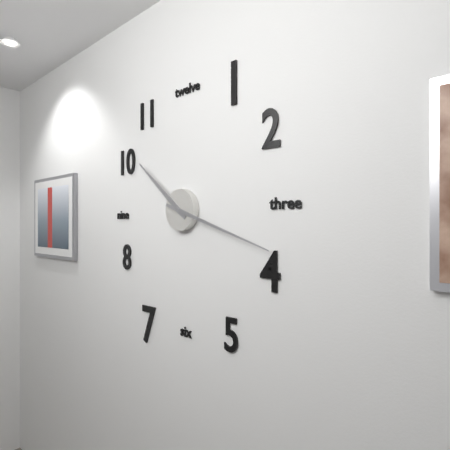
10:18
